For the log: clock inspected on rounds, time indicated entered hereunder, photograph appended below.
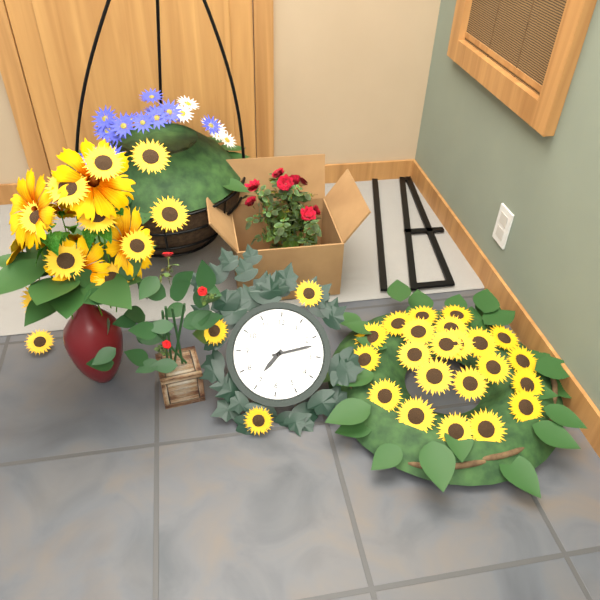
7:12
